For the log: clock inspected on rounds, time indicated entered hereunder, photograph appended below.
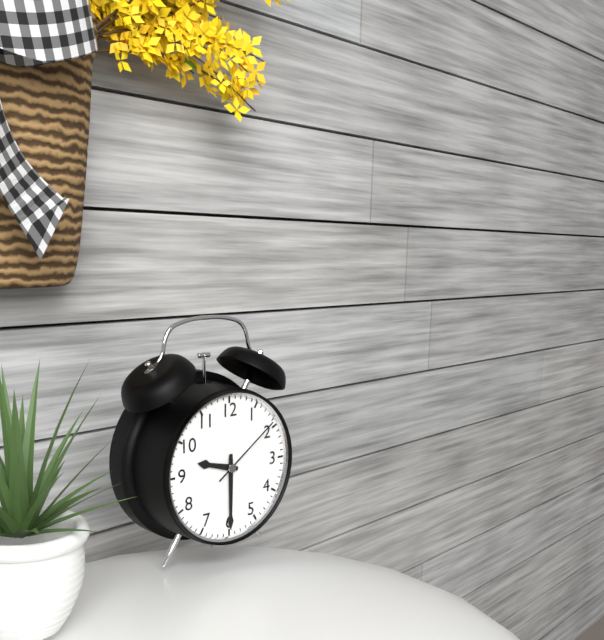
9:30:09
